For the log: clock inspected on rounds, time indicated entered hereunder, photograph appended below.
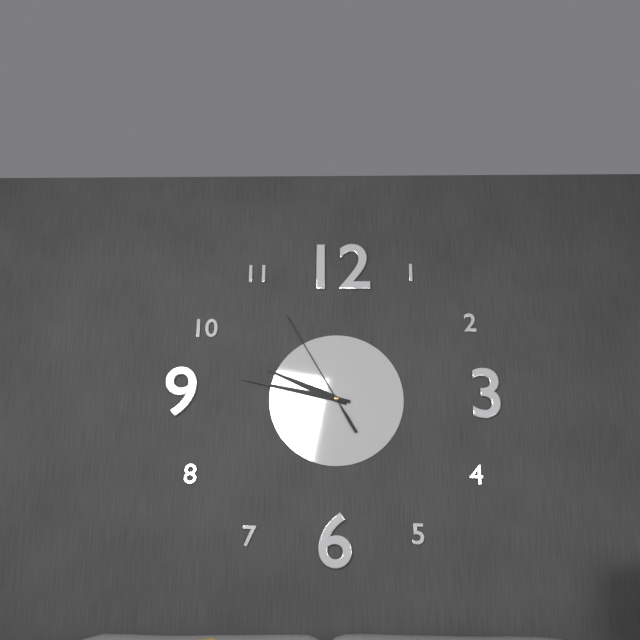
9:47:55
